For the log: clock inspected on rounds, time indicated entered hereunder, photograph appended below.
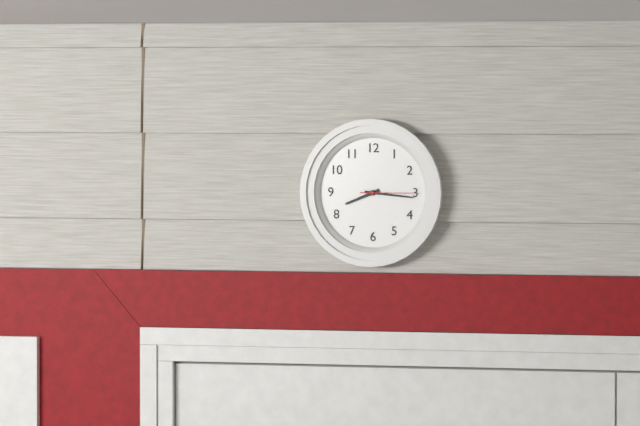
8:16:15
